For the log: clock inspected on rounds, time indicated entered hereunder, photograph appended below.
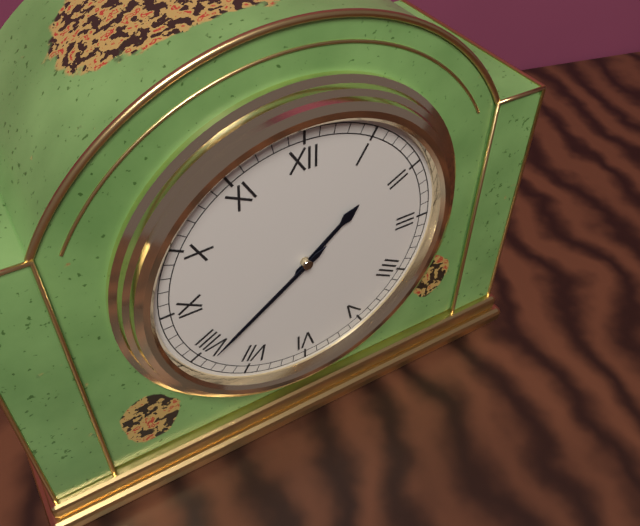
1:39
